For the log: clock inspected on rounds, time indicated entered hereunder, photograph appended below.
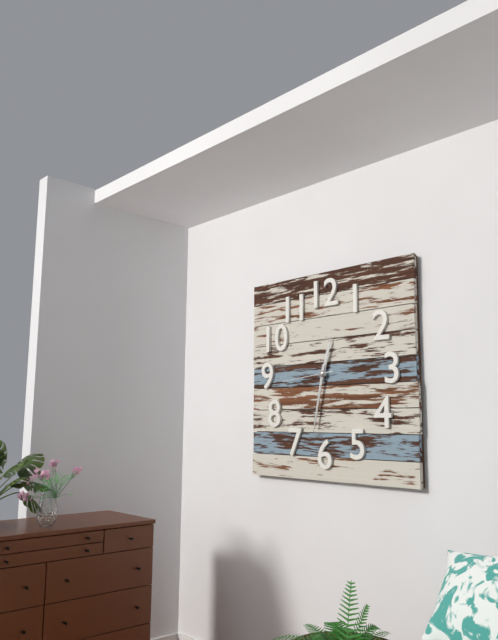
12:32:44
